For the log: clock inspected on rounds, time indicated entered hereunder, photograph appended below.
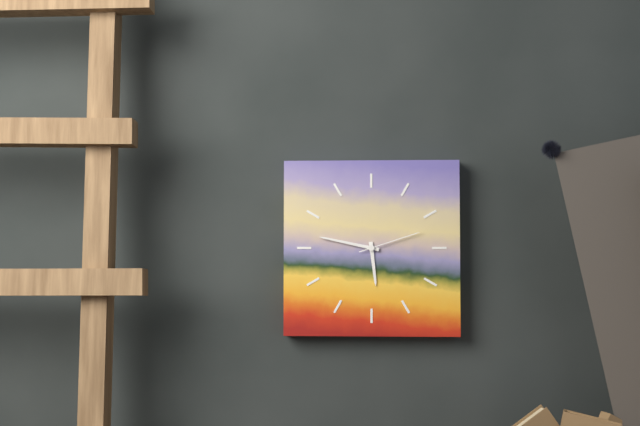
5:47:12
